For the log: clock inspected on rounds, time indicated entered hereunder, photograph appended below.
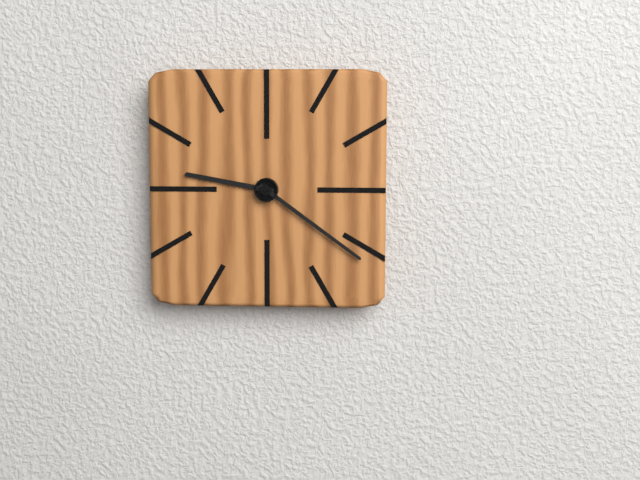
9:21
